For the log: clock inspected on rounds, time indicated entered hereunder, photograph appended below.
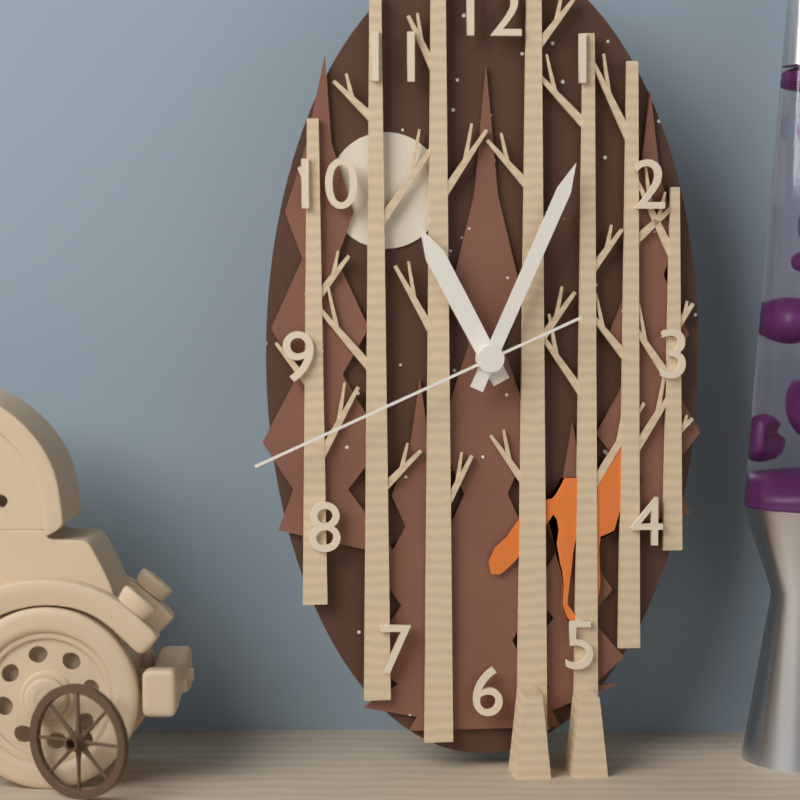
11:04:41
